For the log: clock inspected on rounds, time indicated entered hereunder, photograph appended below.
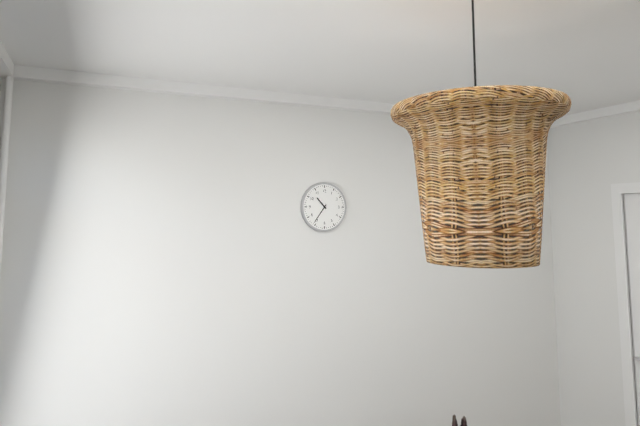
10:36
